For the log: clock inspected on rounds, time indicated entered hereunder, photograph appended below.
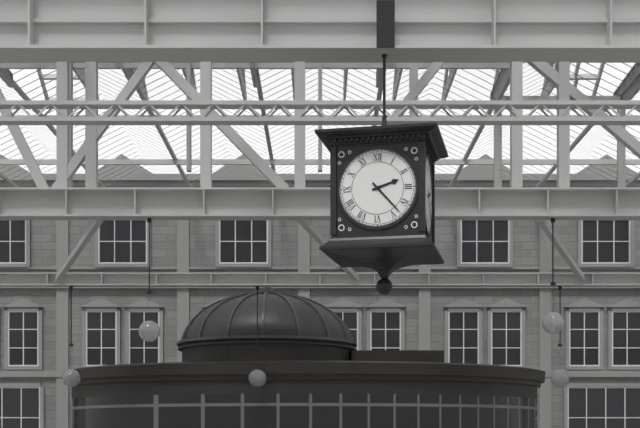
2:23
